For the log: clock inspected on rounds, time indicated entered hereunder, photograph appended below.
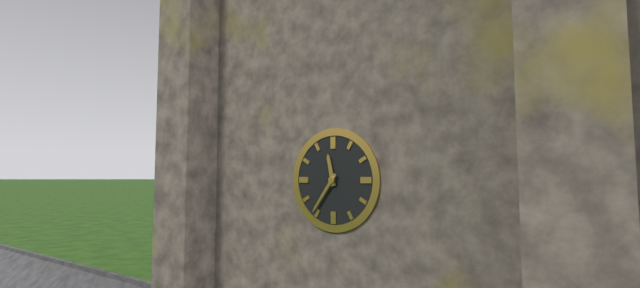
11:36
